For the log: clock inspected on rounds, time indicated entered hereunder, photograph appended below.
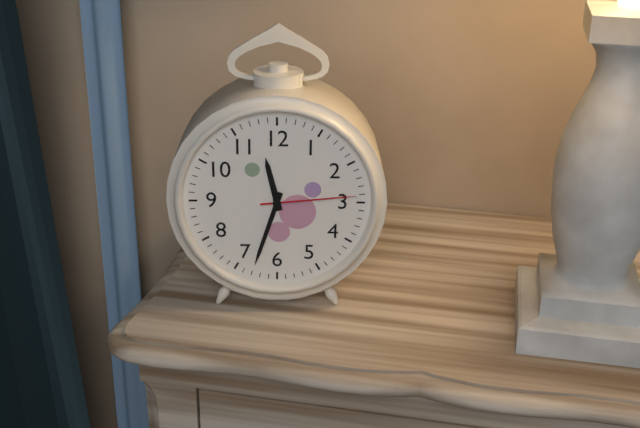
11:33:14
